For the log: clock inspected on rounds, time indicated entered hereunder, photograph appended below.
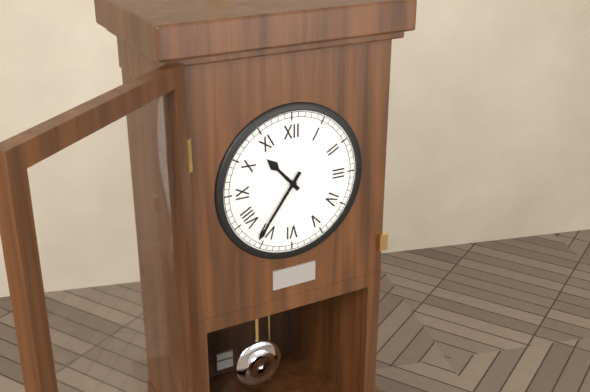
10:36
